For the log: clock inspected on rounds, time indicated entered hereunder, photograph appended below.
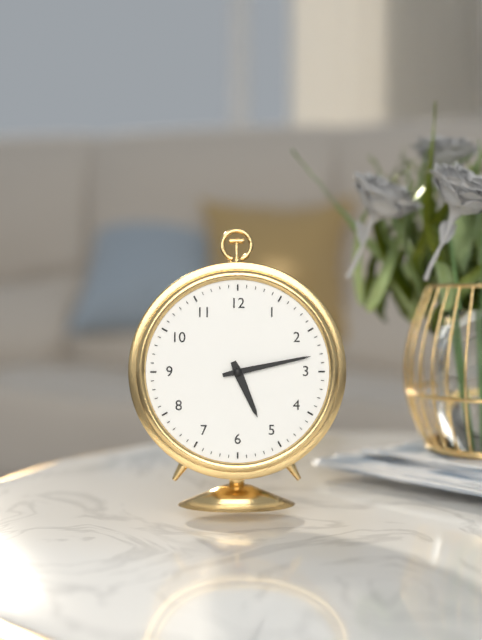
5:13
